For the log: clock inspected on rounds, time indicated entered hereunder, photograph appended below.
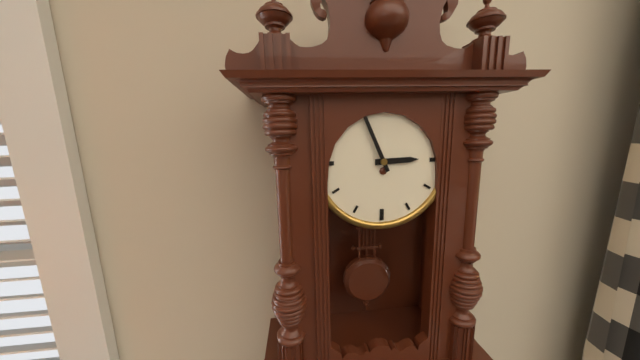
2:56
